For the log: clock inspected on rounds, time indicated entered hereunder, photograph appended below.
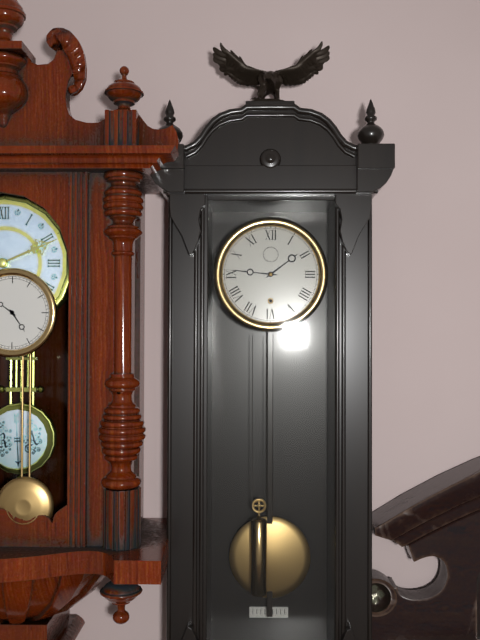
1:46
